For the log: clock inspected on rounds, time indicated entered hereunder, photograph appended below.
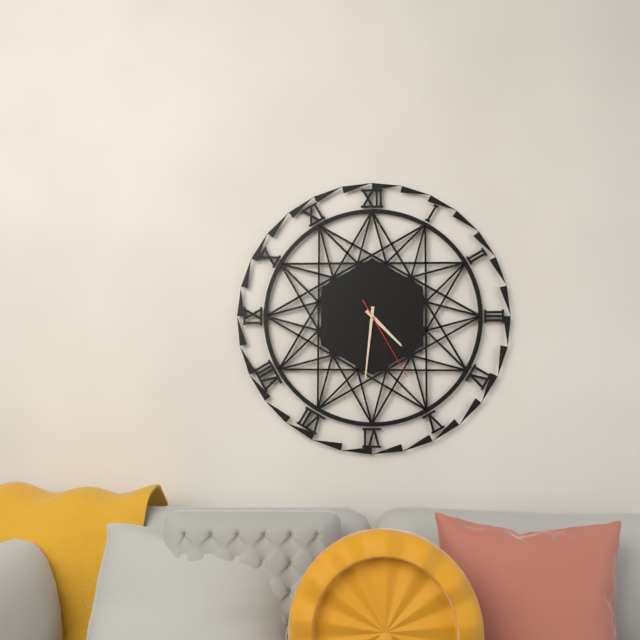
4:31:25
